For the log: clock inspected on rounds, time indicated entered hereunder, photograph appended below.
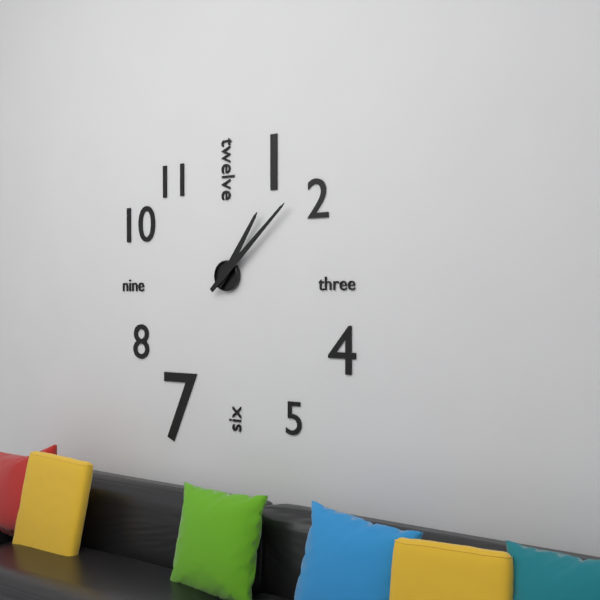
1:08
